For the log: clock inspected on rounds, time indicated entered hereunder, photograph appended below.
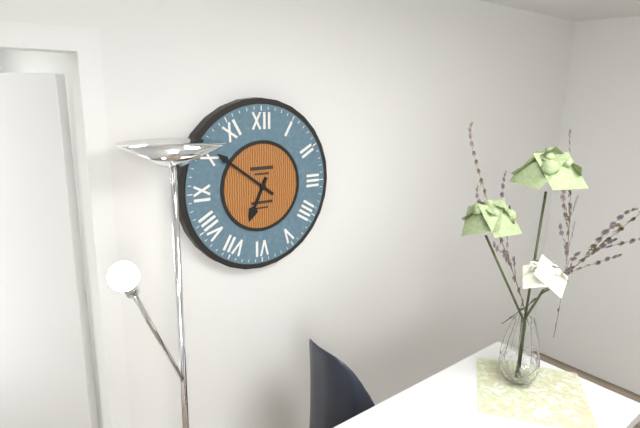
6:51
